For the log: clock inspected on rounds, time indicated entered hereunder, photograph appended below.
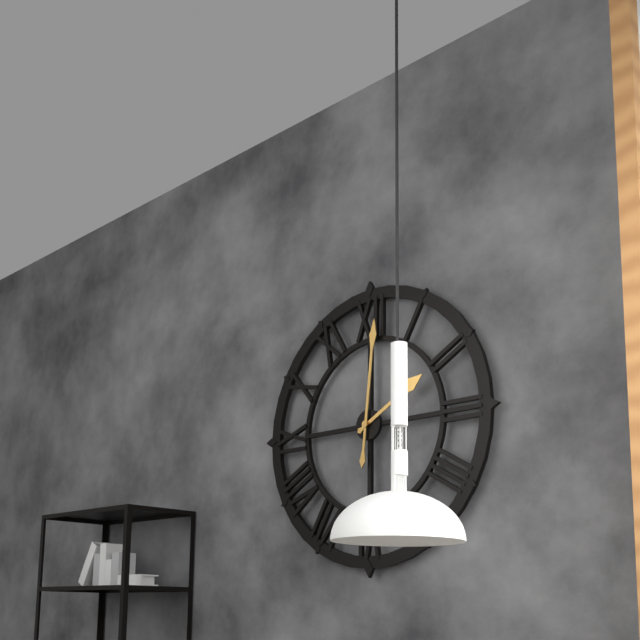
2:01
